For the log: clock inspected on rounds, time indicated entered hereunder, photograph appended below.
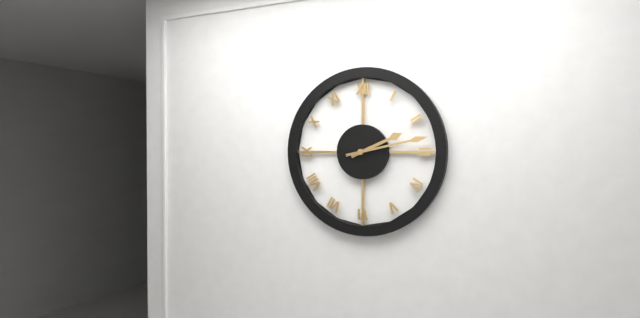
2:13
